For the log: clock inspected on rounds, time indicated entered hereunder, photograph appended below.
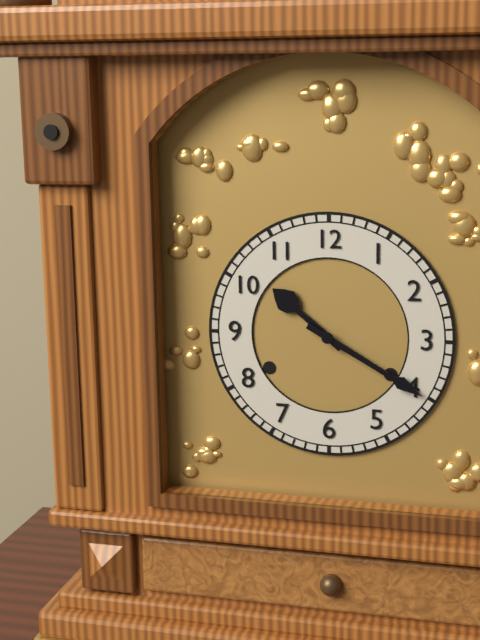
10:20
